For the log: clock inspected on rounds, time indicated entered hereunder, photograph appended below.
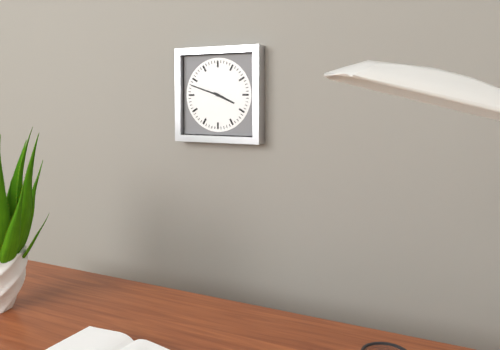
3:48
